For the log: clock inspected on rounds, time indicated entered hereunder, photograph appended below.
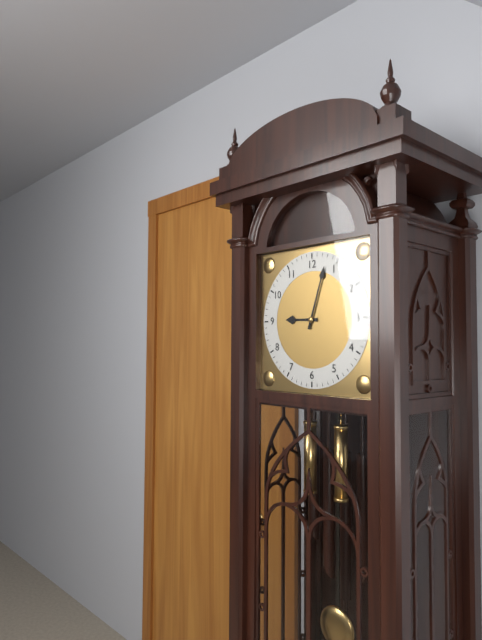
9:03
